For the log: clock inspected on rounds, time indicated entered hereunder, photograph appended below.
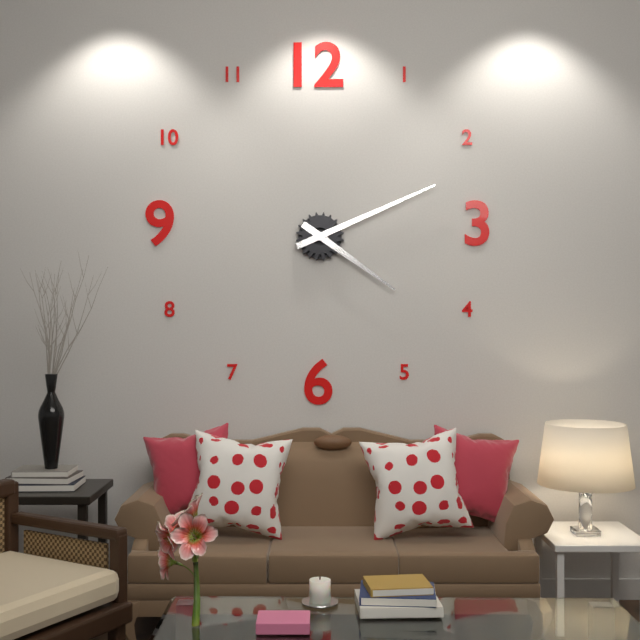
4:11
